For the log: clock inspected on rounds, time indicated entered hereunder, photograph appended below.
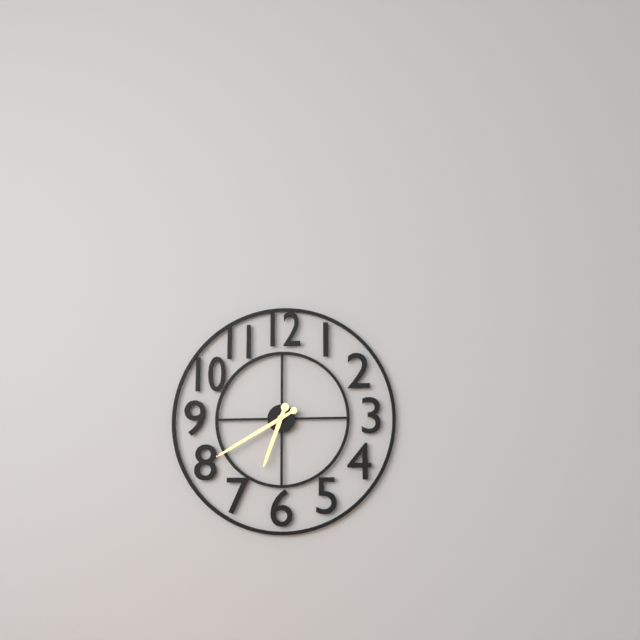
6:40
